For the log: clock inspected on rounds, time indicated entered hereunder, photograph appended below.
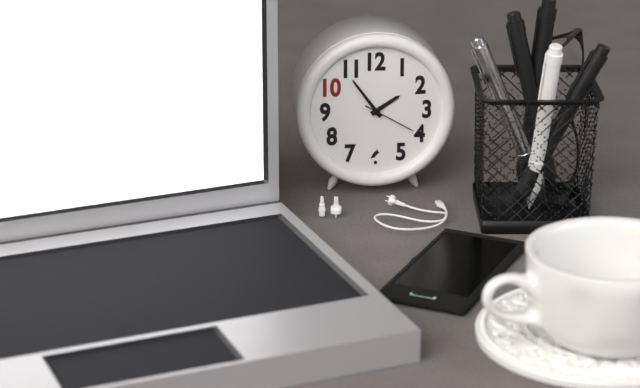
1:54:20
